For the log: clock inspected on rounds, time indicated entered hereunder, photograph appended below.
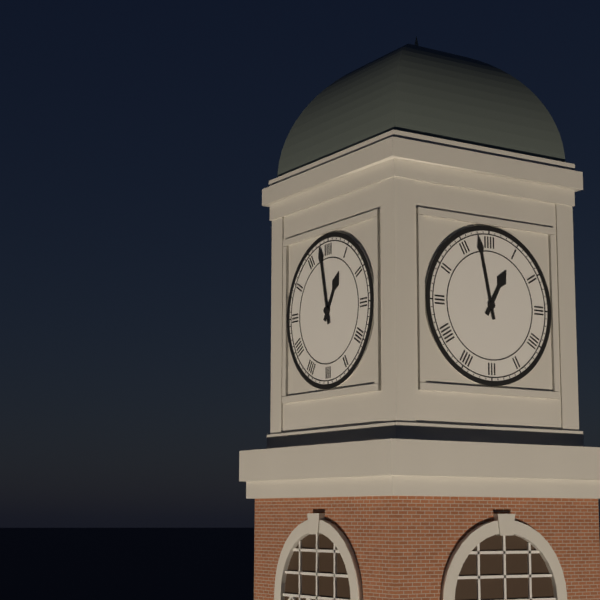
12:58
